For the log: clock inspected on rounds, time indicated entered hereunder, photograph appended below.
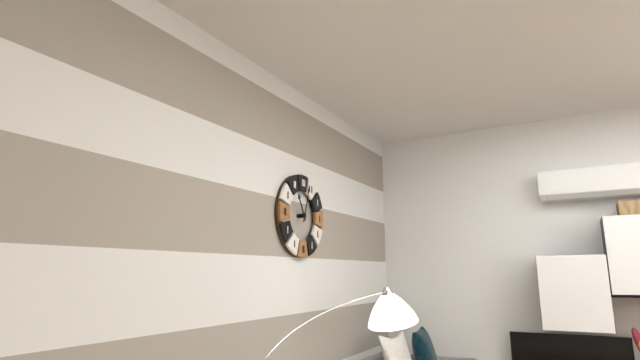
11:03
